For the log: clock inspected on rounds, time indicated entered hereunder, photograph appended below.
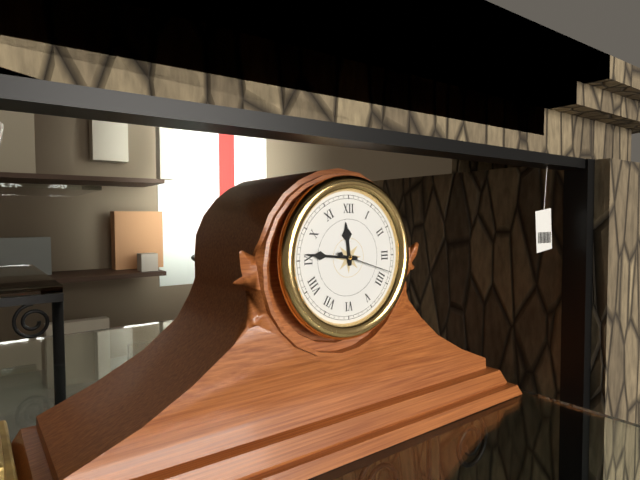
11:46:18
